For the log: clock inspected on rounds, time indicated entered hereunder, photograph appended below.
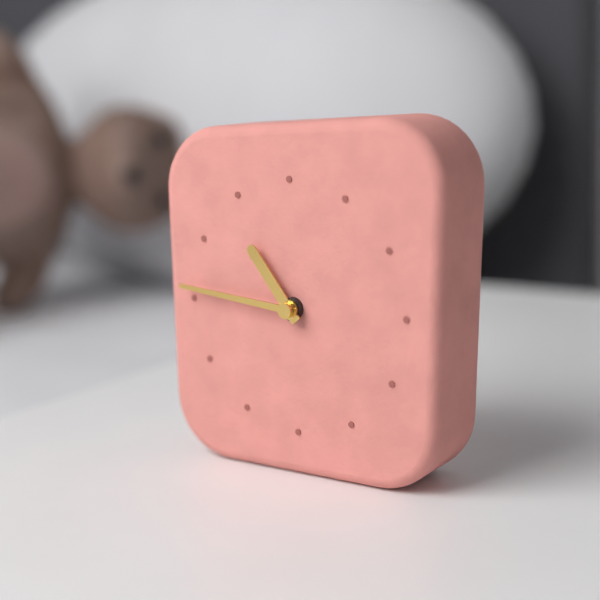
10:46
